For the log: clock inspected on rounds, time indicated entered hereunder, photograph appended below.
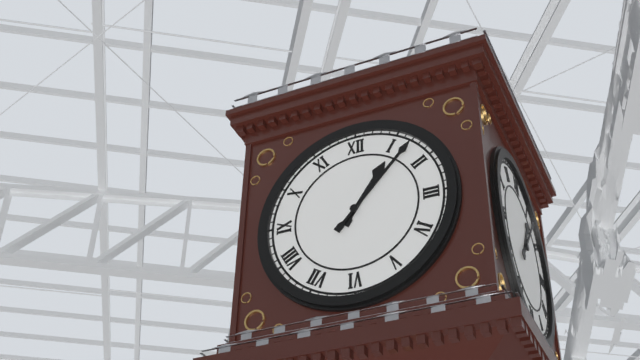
1:07
